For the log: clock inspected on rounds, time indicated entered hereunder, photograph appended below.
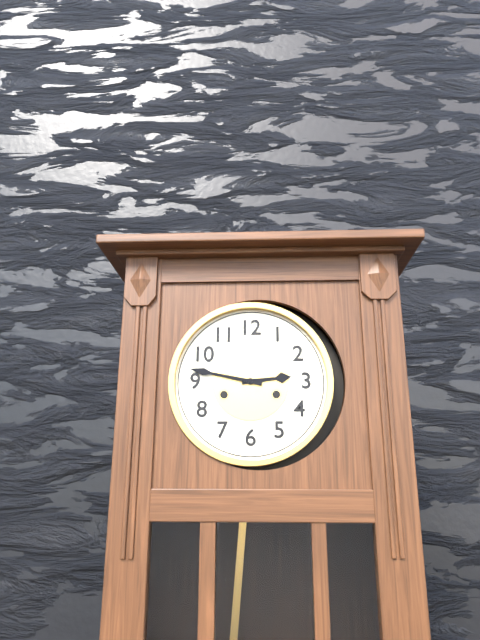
2:47
